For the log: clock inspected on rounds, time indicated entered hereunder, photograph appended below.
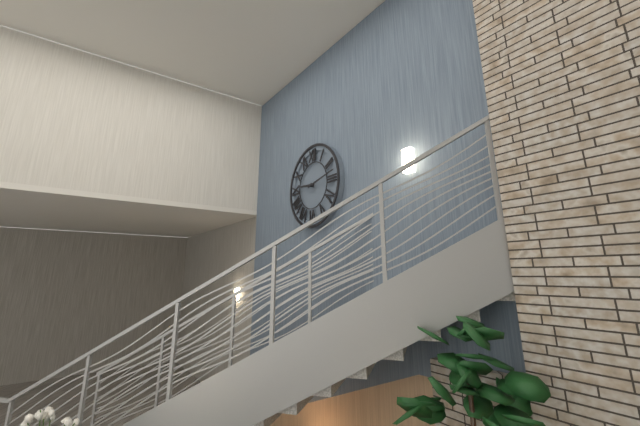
9:13
